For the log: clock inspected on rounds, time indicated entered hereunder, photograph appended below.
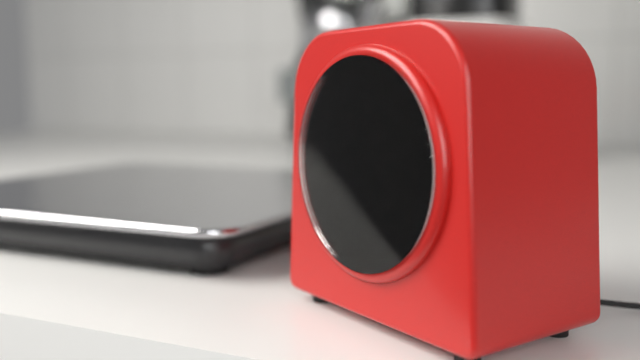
6:00
